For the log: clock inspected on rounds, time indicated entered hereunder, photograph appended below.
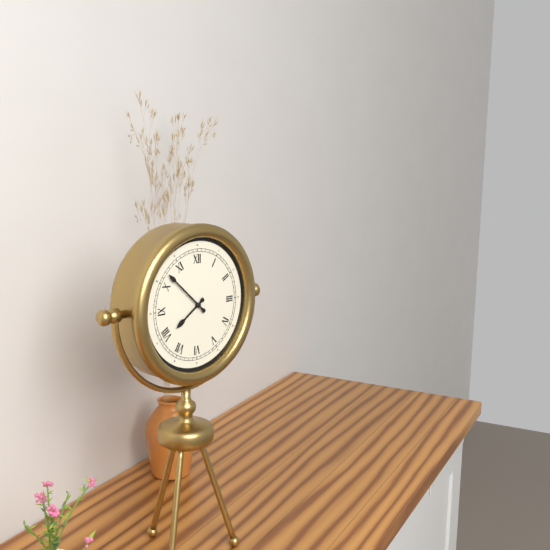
7:52
